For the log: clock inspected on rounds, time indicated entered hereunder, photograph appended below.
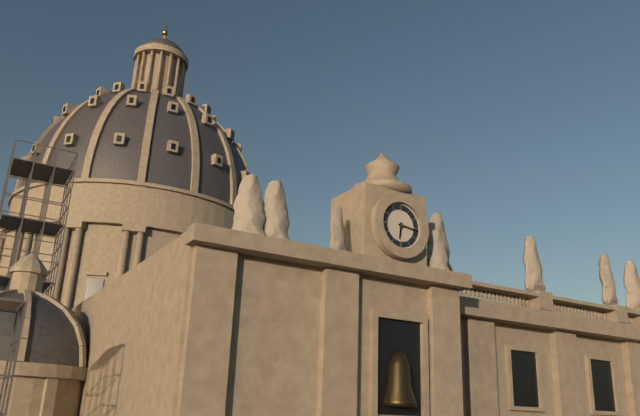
6:16
